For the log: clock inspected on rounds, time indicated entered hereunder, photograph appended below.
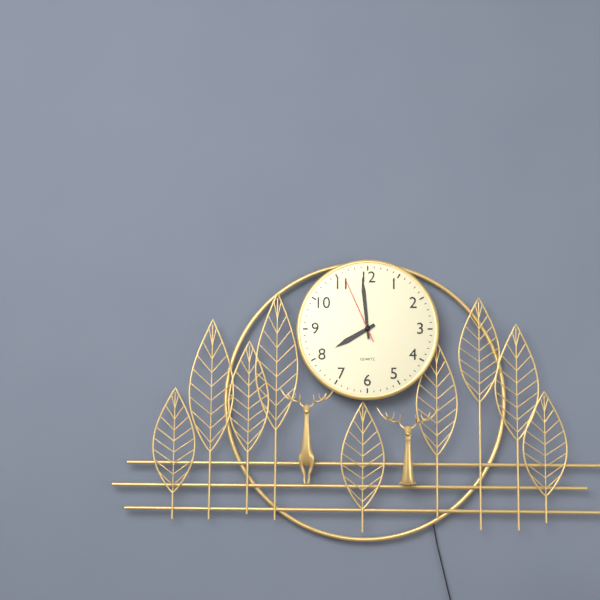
7:59:56
